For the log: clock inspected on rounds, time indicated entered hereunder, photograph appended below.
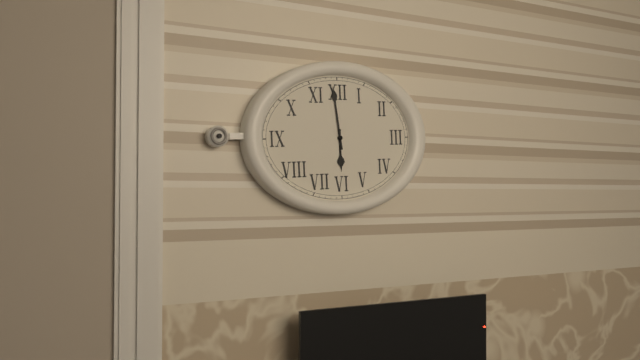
5:59
